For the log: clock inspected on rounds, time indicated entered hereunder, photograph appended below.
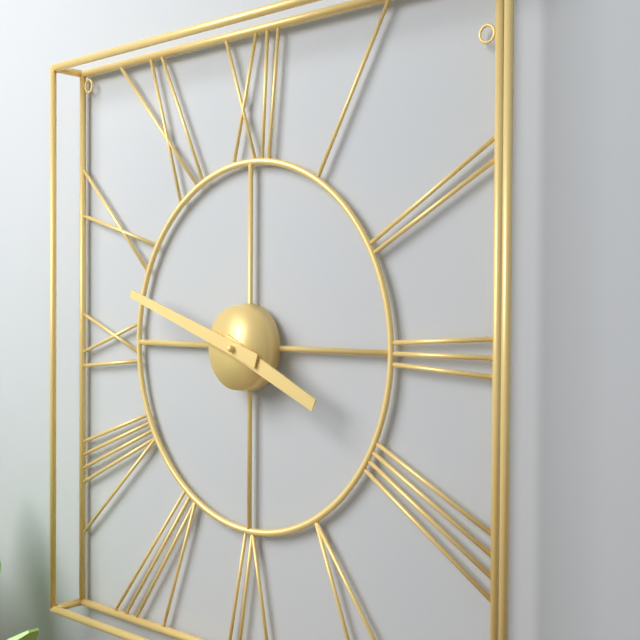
3:48
